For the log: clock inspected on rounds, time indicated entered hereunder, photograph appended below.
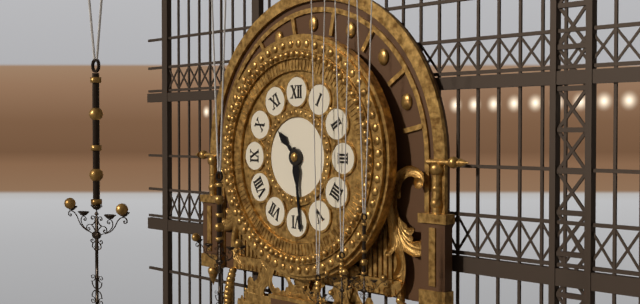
10:29
